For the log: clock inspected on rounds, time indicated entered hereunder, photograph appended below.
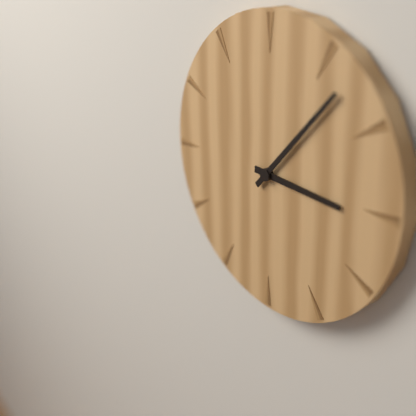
3:07
